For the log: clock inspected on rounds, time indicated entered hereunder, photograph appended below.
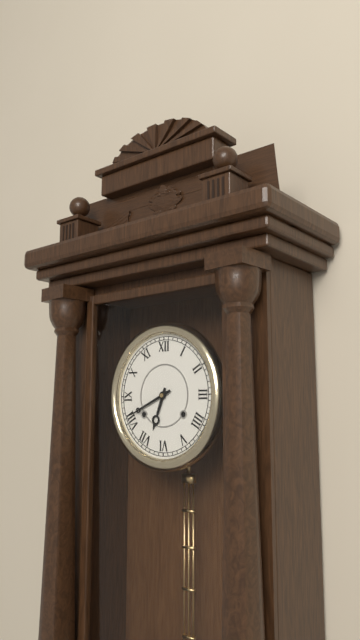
6:41
